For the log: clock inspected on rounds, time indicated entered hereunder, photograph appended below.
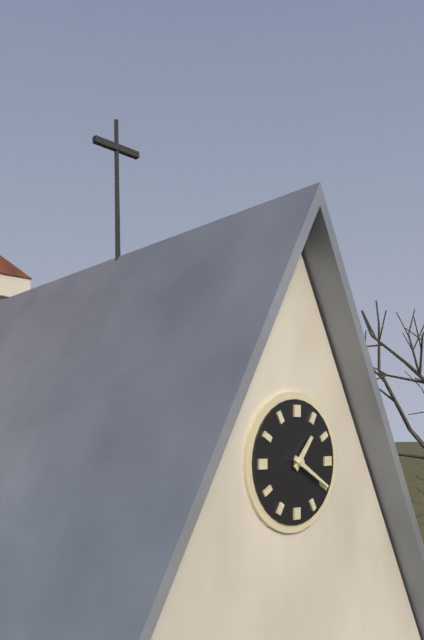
1:20
